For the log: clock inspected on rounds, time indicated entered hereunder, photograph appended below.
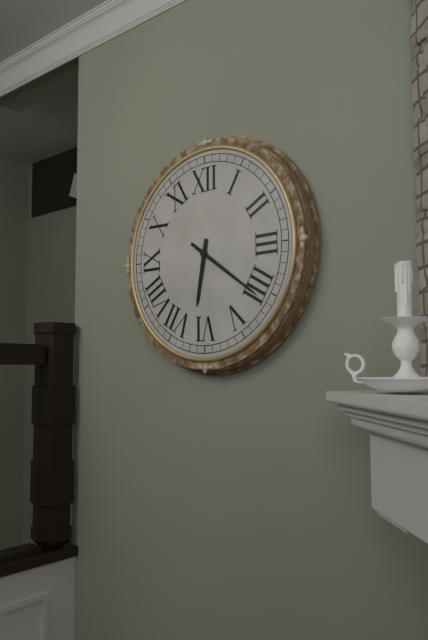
6:21
